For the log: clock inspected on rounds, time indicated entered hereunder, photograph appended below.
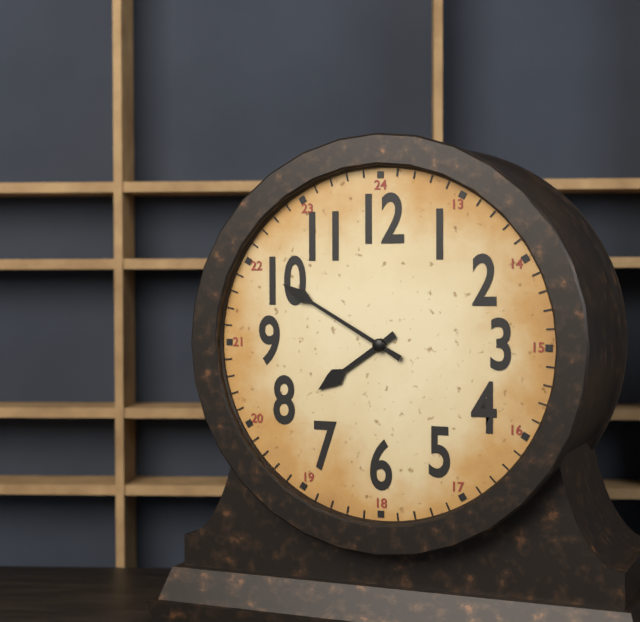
7:50
